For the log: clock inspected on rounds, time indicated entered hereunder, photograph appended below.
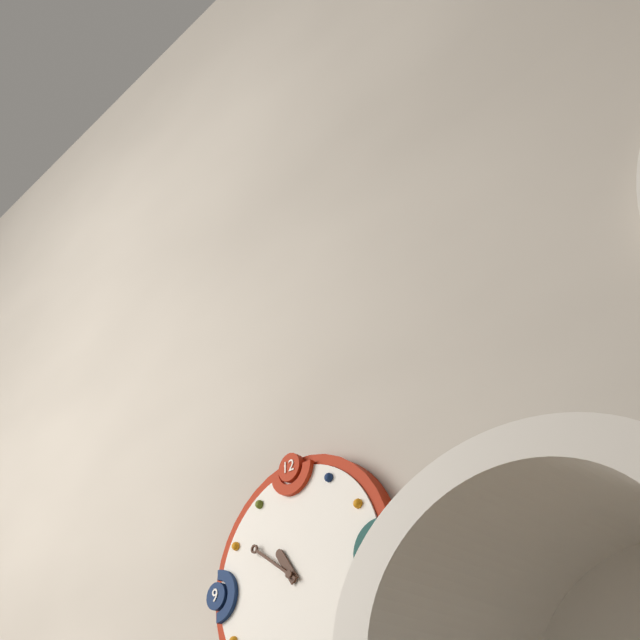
10:51
